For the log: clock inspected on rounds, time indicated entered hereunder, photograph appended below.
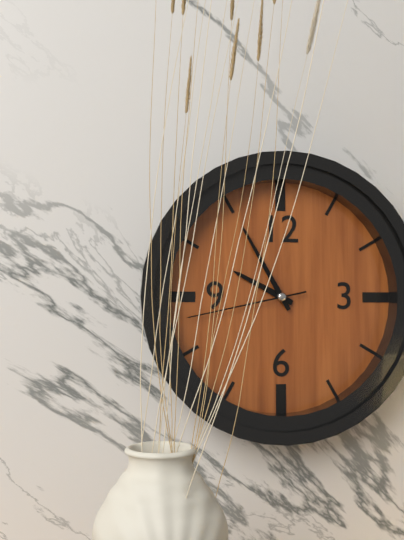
9:55:43
